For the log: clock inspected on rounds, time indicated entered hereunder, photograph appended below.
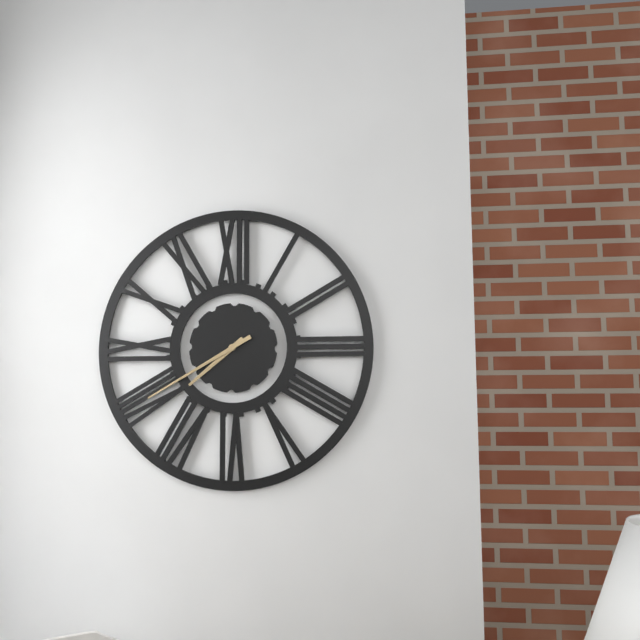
7:40
